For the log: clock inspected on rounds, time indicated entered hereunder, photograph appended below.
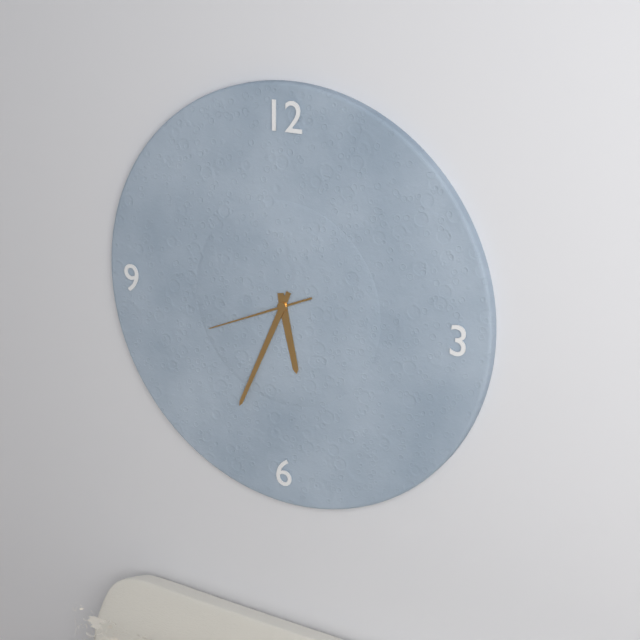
5:34:41
